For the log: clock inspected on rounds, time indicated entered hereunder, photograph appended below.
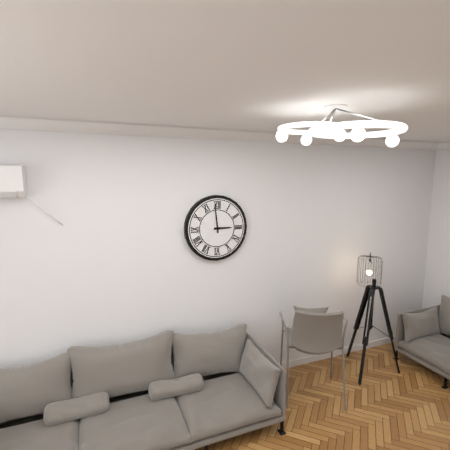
2:59
